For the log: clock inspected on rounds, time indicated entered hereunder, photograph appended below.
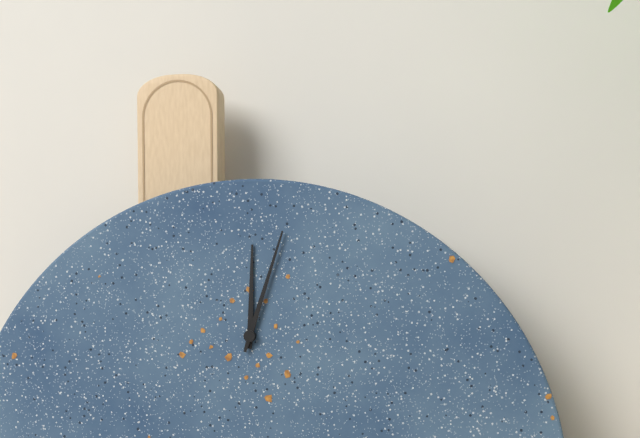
12:03
